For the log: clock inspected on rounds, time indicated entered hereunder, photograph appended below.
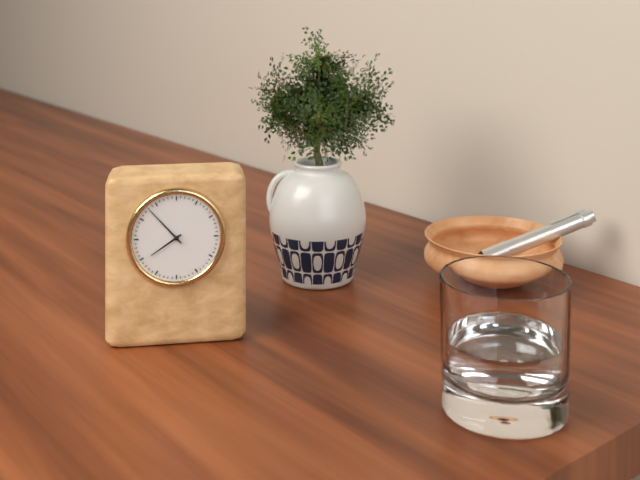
7:53
